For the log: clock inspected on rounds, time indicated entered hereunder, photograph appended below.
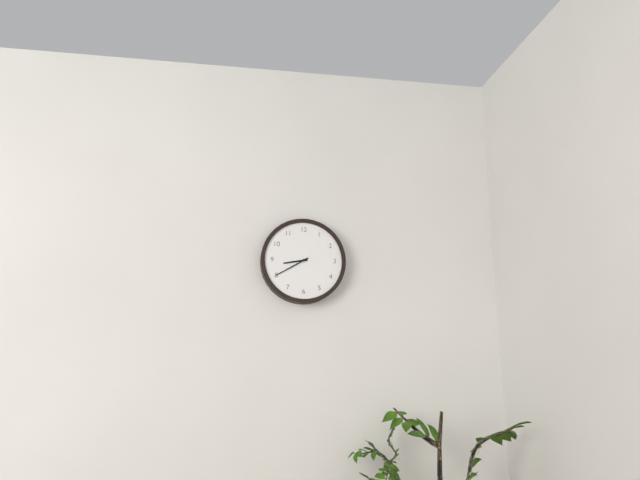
8:40
